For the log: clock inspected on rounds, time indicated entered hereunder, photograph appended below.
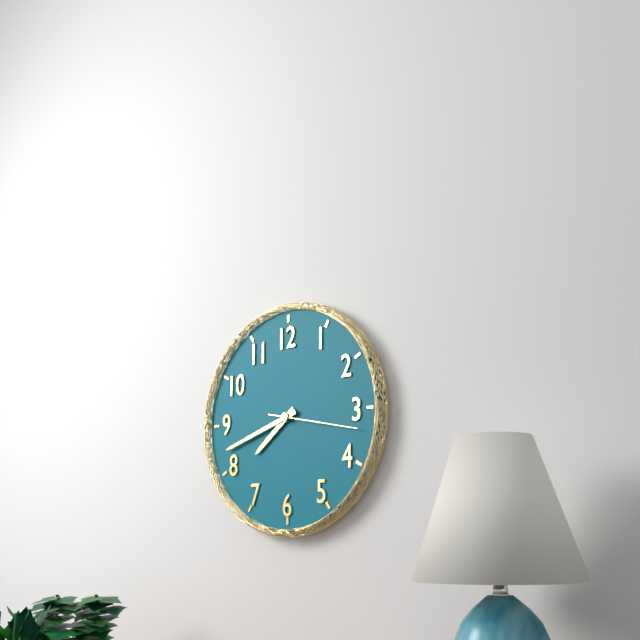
7:42:17
